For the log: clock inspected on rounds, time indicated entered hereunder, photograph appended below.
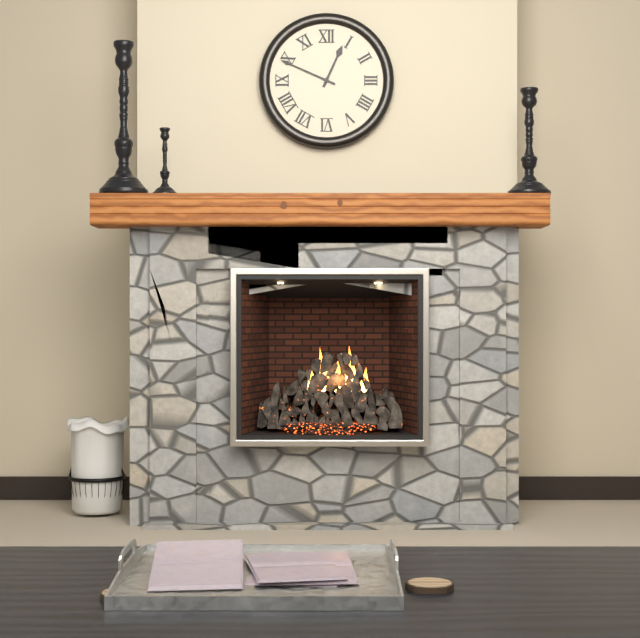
12:49
